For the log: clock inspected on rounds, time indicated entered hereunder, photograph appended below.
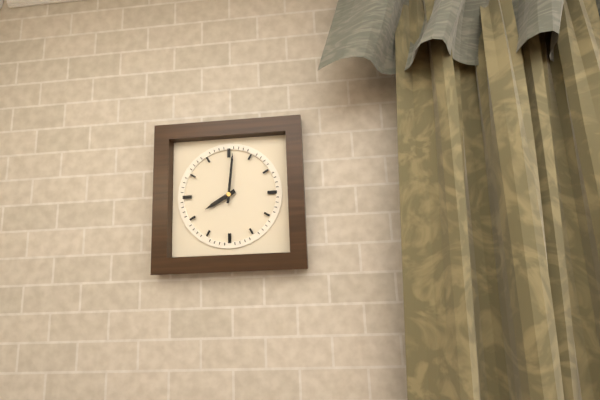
8:01
